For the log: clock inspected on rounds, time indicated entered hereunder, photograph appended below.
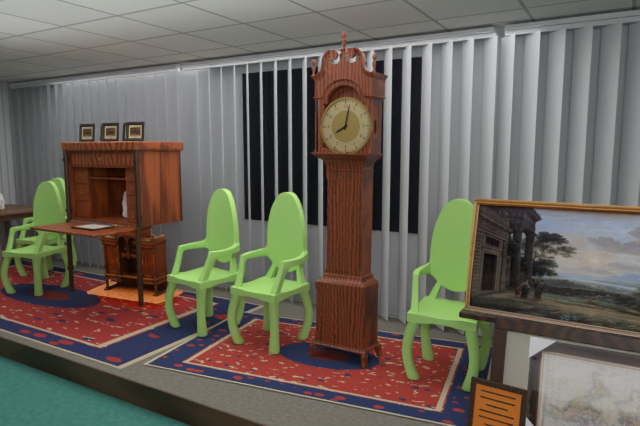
8:02
